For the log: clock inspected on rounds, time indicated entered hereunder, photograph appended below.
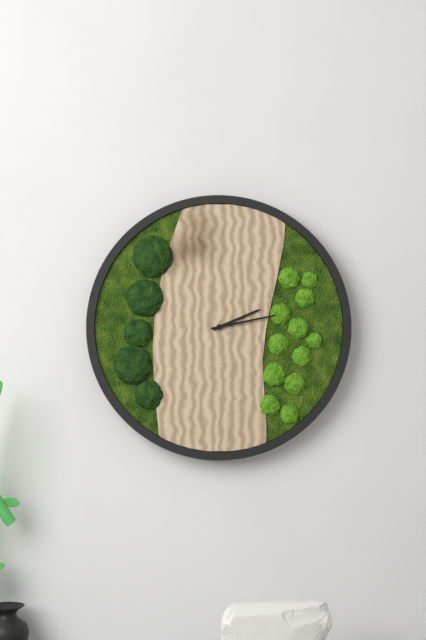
2:13
